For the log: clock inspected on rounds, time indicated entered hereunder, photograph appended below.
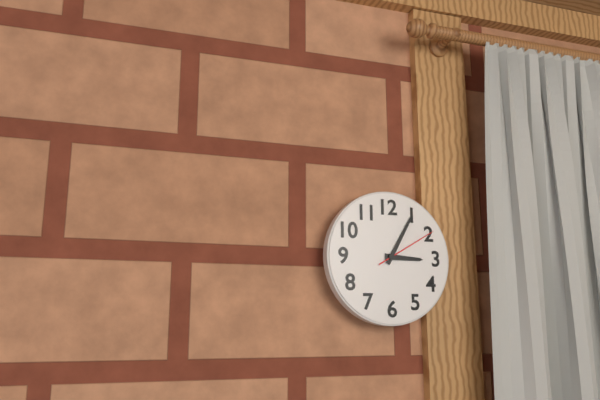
3:05:10
